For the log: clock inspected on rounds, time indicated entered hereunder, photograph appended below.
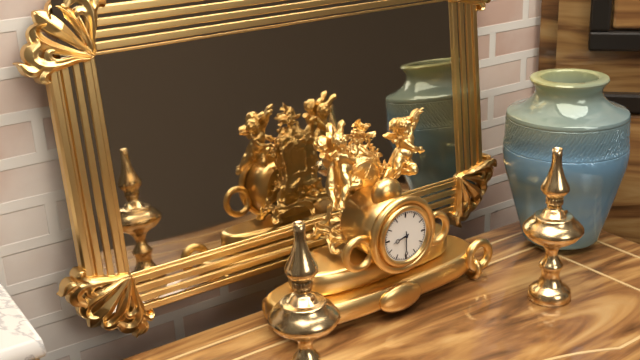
8:30
